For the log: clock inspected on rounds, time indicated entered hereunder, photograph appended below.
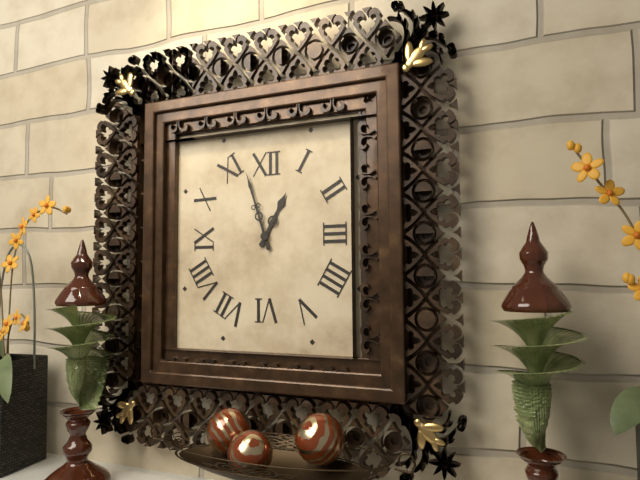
12:57
